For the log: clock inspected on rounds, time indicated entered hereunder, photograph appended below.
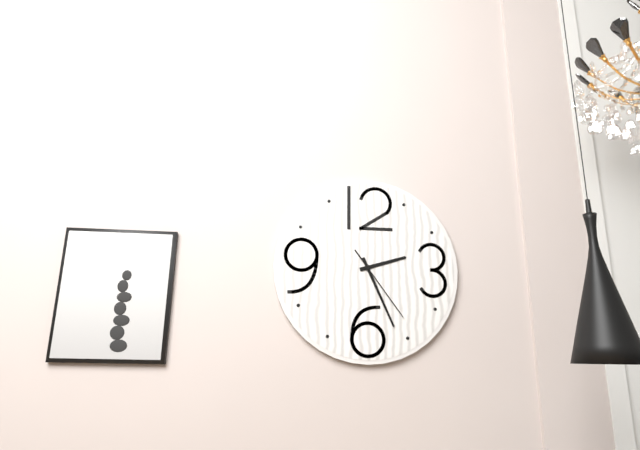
2:26:24
